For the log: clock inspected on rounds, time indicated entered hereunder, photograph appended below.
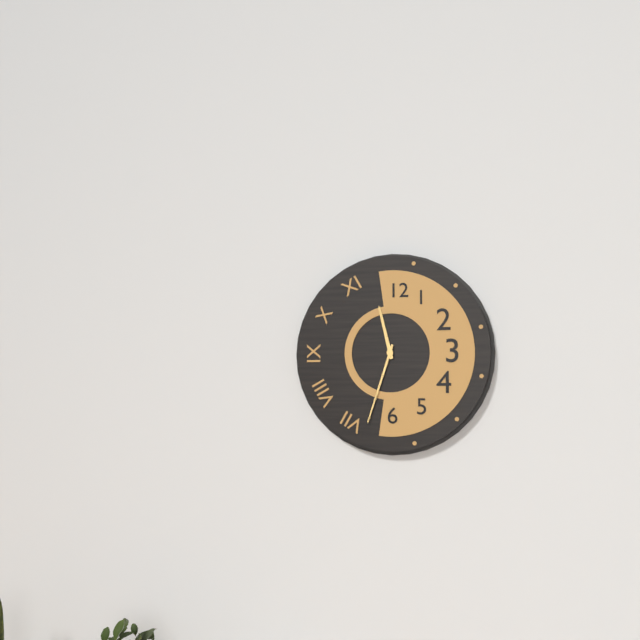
11:33
